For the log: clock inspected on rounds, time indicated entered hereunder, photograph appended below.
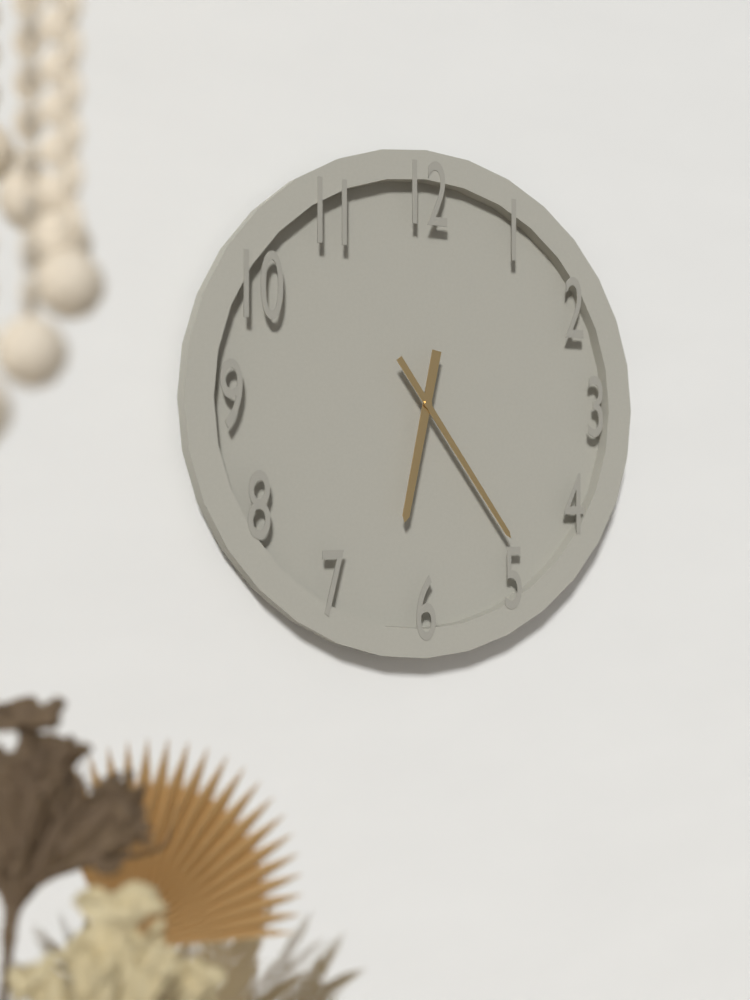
6:24
